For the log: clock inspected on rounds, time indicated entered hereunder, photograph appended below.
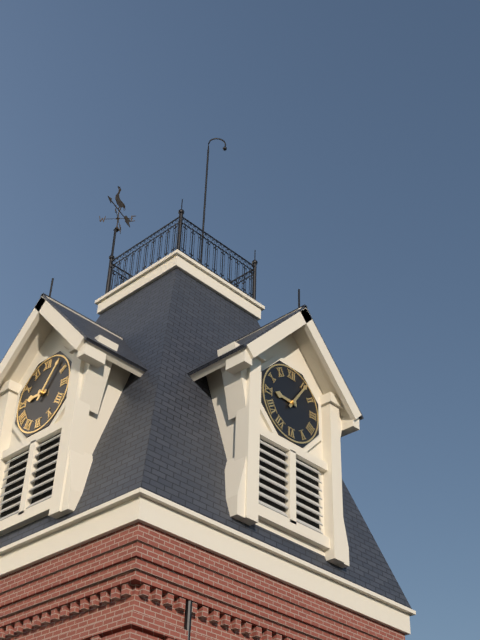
9:06
